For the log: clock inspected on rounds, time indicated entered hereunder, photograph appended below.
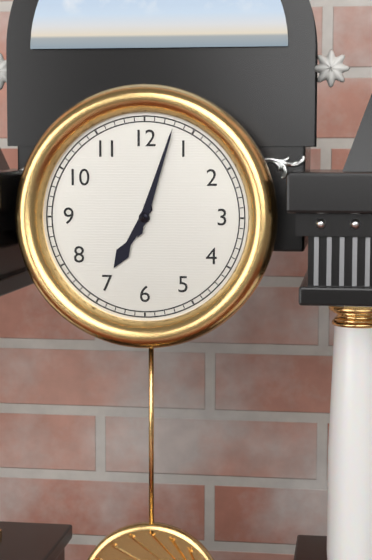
7:03
